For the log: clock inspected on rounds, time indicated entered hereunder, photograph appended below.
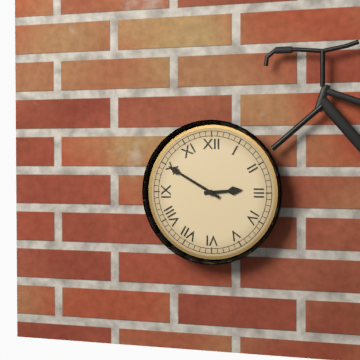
2:50
